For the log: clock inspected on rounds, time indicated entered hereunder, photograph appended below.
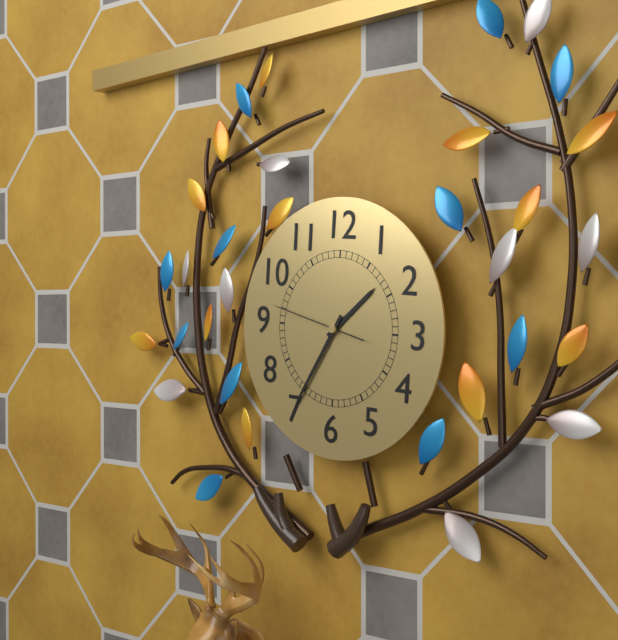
1:35:47
